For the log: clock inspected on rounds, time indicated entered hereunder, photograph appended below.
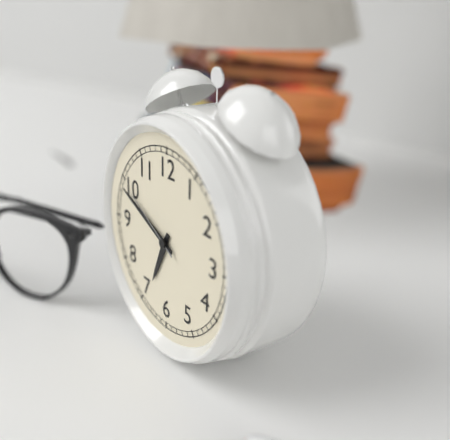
6:49:50
